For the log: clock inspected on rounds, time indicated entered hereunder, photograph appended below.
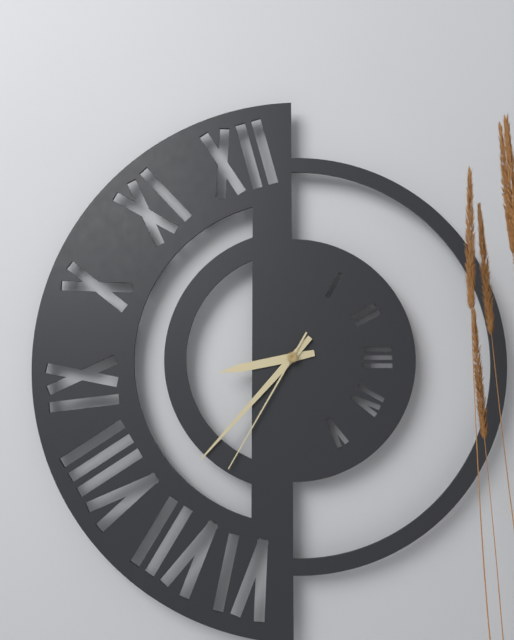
8:37:35
